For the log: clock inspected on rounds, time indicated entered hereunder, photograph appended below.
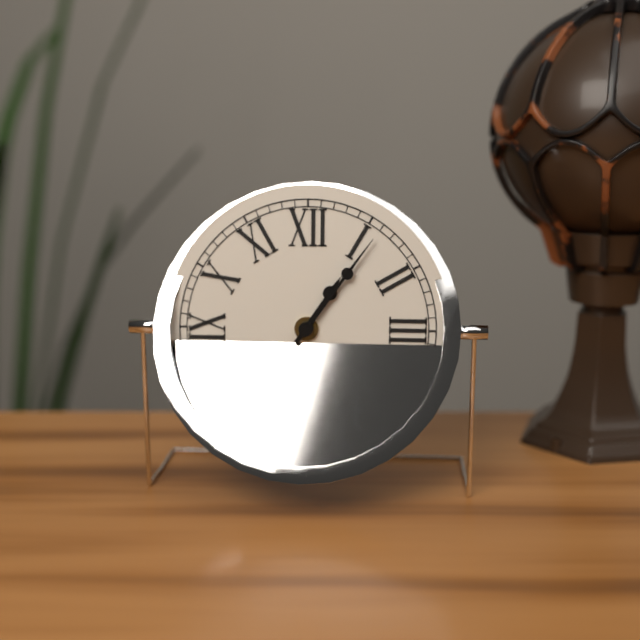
1:06
